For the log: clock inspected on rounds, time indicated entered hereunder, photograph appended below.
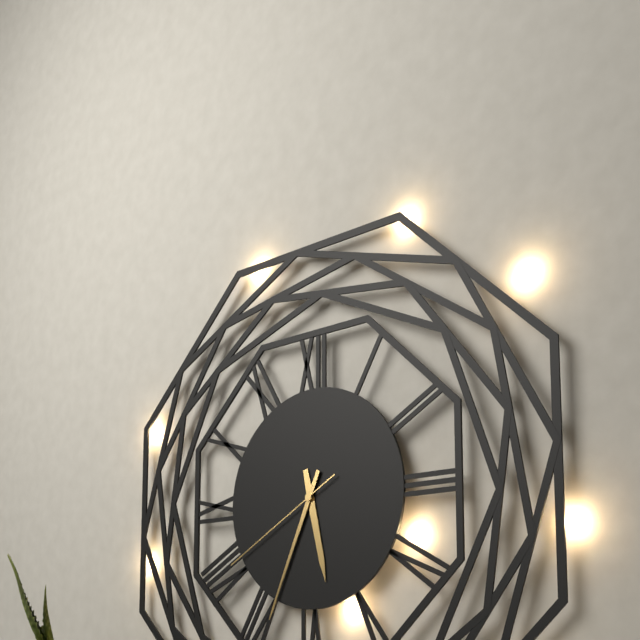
5:34:40
